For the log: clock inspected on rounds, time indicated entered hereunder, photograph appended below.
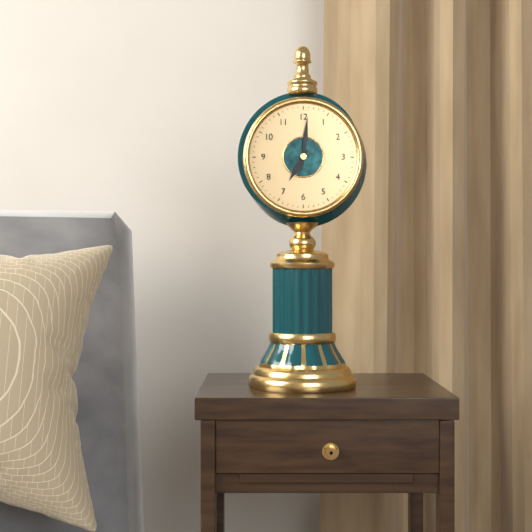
7:01
